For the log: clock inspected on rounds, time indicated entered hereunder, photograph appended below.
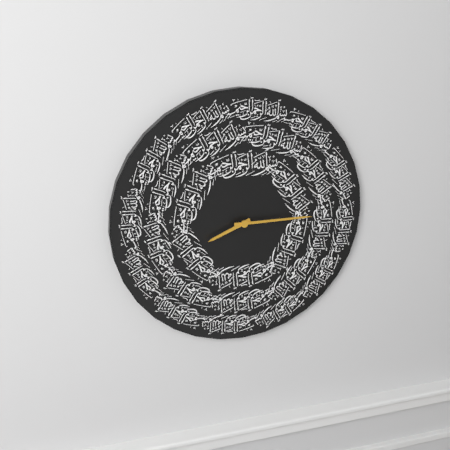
8:15
